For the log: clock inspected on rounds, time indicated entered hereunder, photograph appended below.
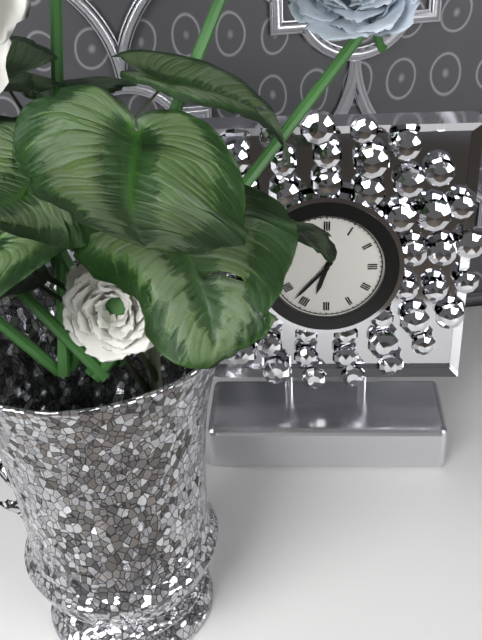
6:37
